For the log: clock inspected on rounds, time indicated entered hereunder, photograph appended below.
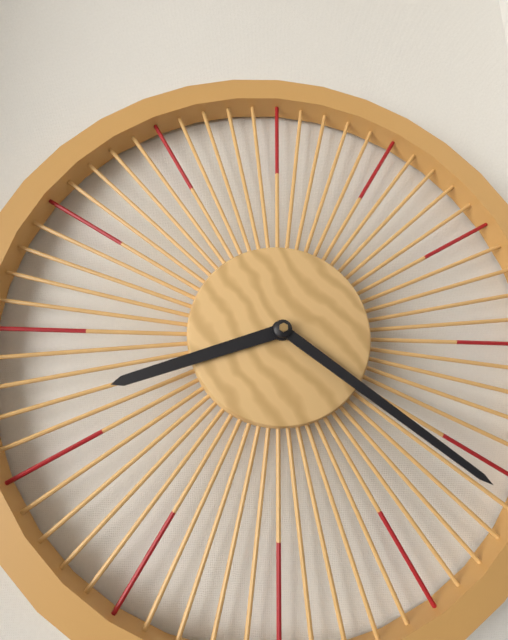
8:21
